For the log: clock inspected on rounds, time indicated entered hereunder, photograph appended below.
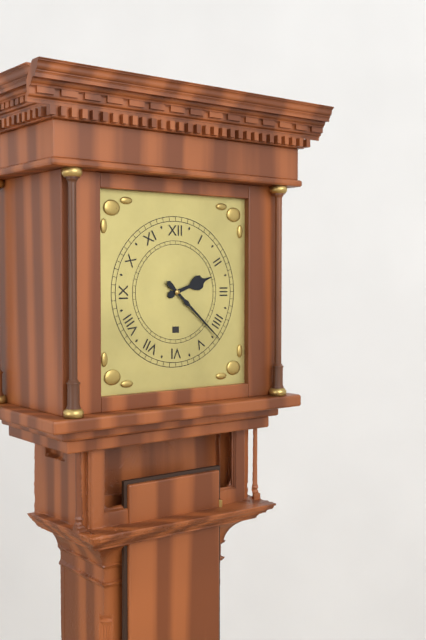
2:22
